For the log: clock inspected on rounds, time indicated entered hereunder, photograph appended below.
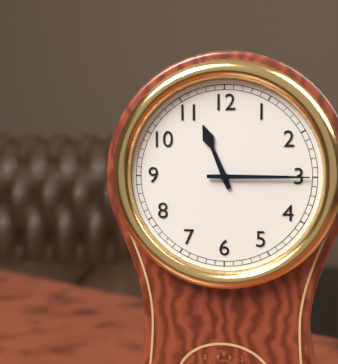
11:15
